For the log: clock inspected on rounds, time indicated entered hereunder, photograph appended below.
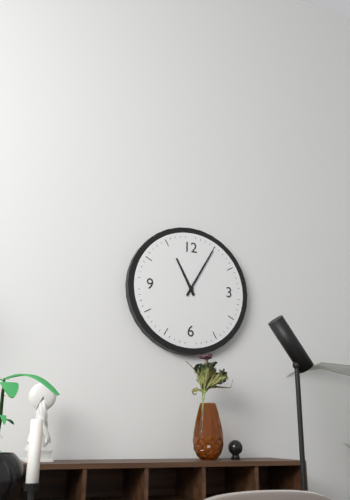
11:05
